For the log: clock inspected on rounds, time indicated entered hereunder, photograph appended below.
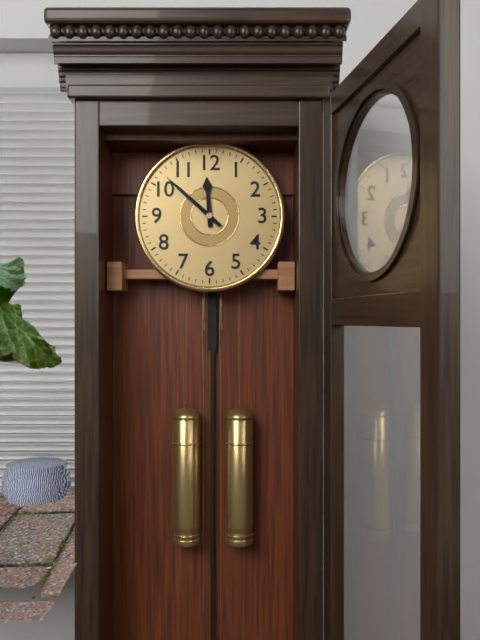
11:52
